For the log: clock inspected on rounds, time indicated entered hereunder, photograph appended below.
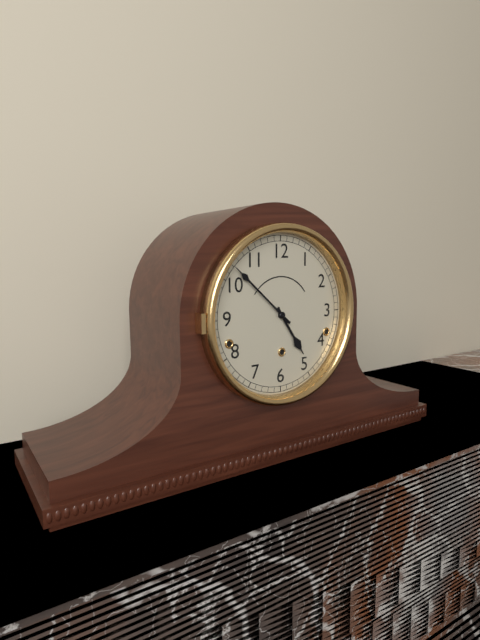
4:52
